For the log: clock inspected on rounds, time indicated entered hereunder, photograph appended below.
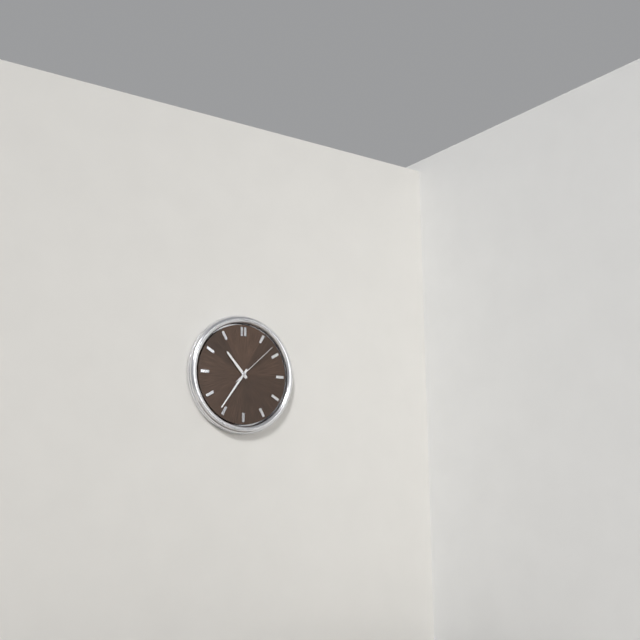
10:36
